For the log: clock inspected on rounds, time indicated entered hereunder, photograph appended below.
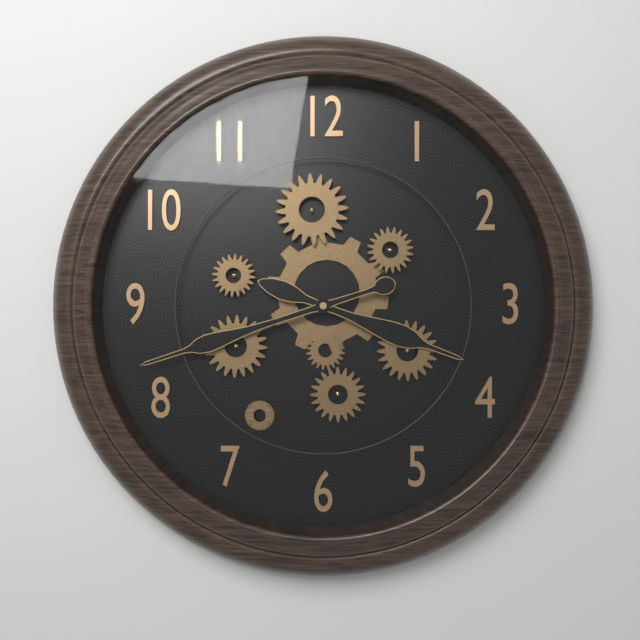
3:42
